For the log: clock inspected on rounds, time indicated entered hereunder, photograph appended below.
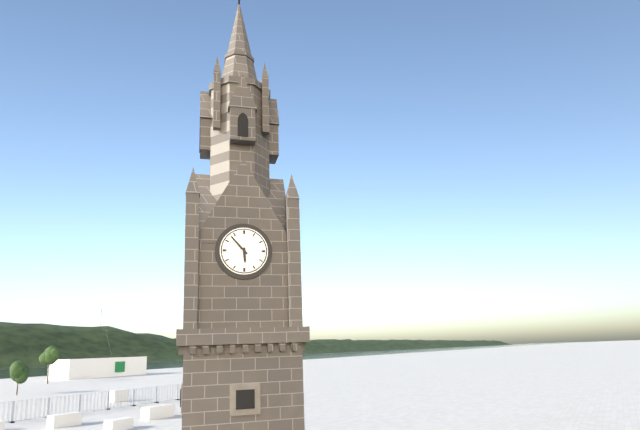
5:53
